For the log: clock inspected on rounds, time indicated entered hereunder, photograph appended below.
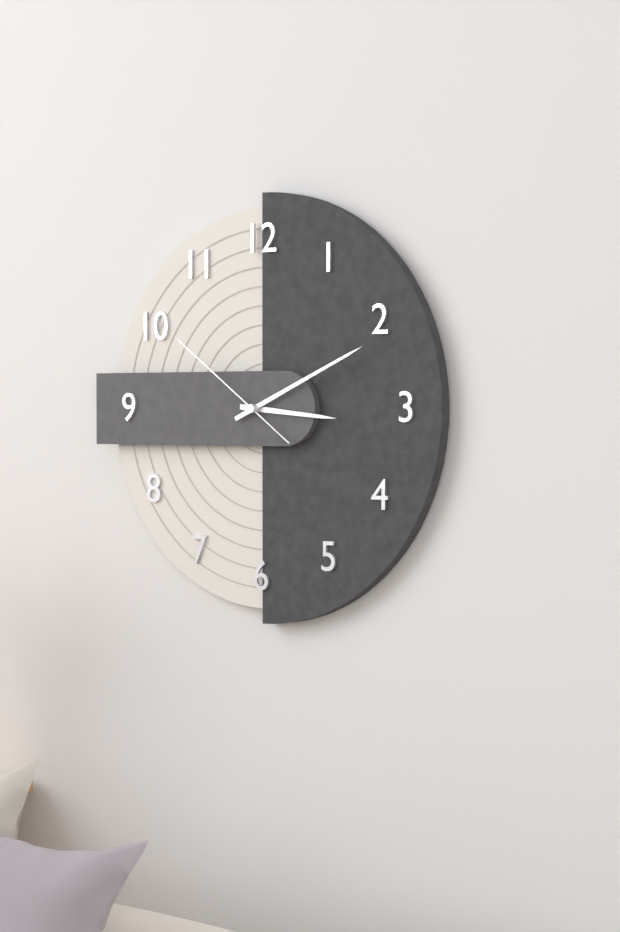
3:11:51
